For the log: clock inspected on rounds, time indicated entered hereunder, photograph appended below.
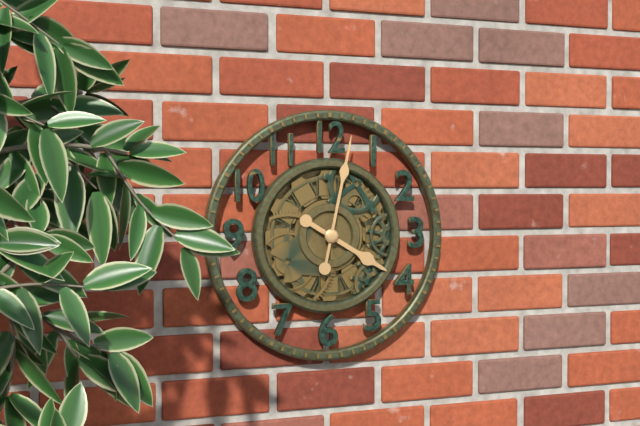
4:02
